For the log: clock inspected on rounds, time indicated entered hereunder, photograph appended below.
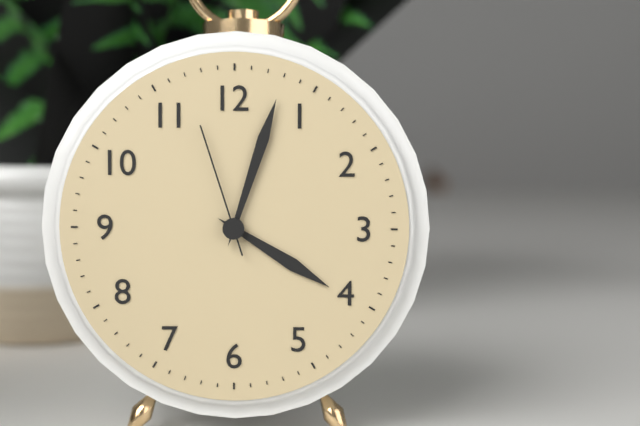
4:03:57
